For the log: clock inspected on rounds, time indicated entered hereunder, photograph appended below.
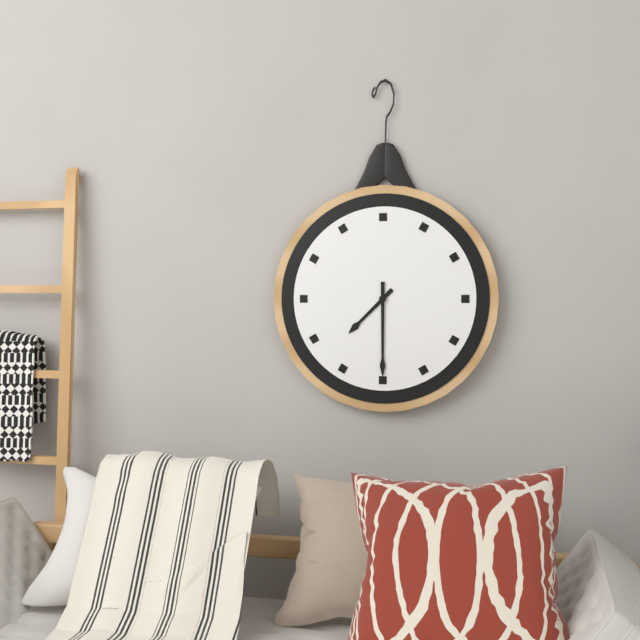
7:30
